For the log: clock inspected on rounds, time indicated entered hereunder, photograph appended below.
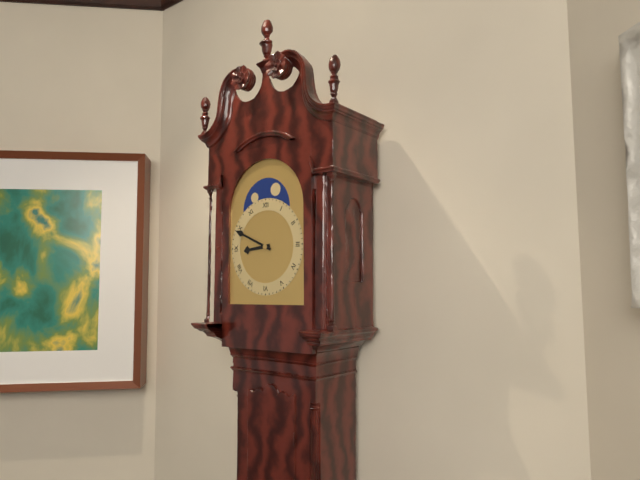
8:49
